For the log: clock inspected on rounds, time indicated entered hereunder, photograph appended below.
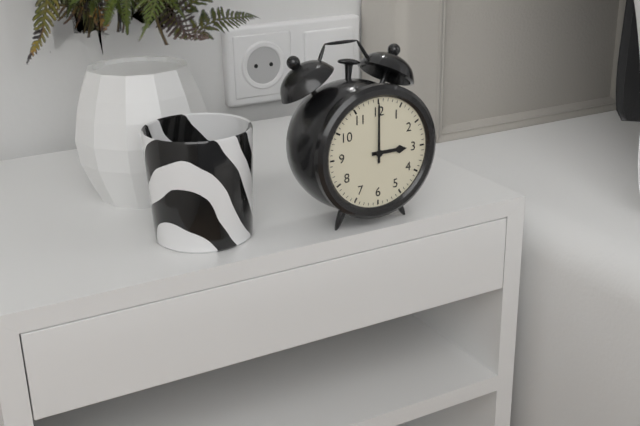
3:00
